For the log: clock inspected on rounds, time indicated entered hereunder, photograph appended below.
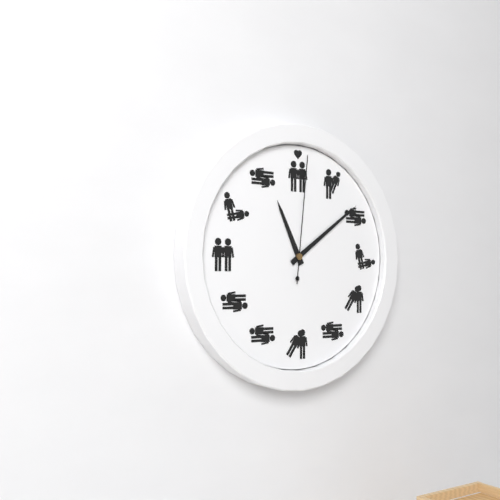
11:09:01
